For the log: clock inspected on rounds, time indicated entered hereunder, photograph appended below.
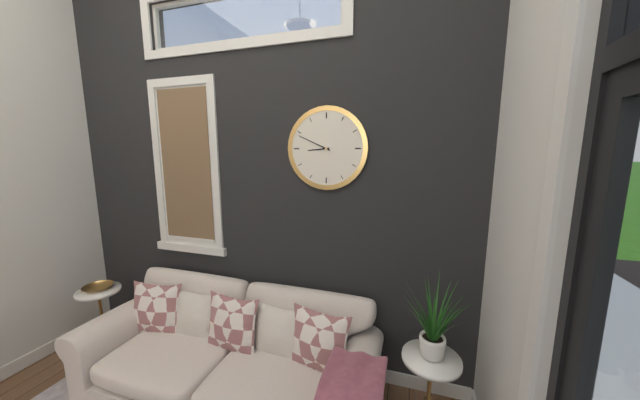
8:49
